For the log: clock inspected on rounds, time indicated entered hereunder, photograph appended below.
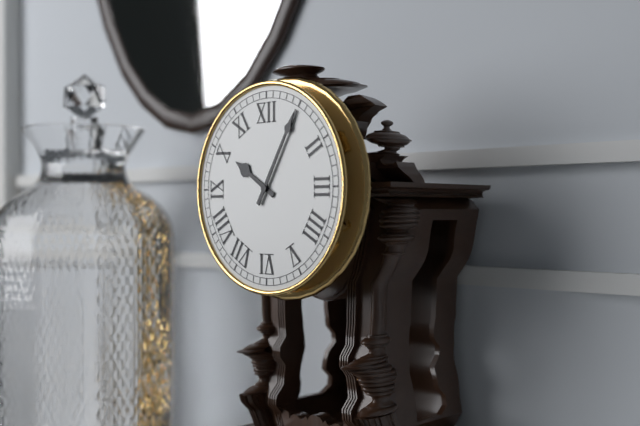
10:05
